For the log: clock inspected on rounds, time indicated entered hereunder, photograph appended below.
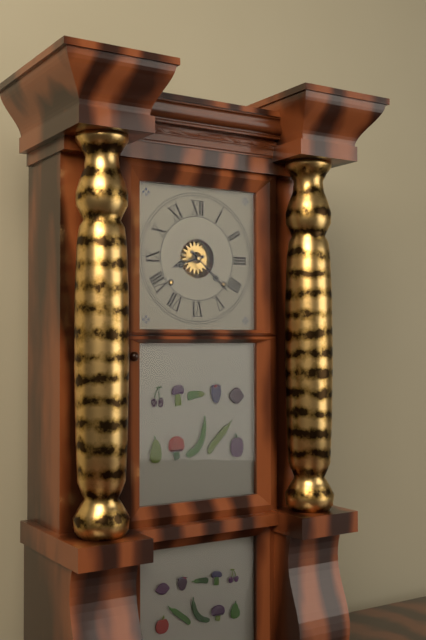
8:22
